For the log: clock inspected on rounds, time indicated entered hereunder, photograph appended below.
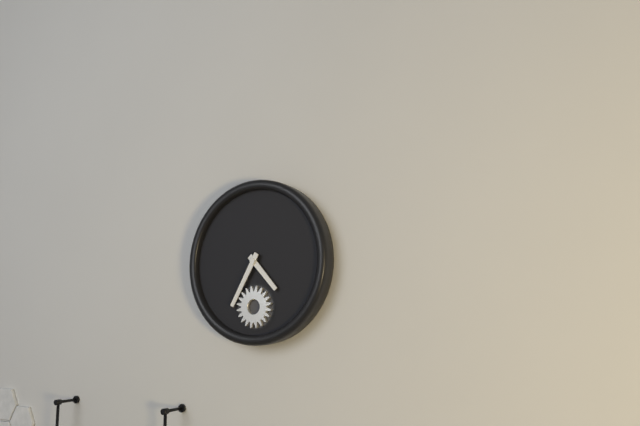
4:35
